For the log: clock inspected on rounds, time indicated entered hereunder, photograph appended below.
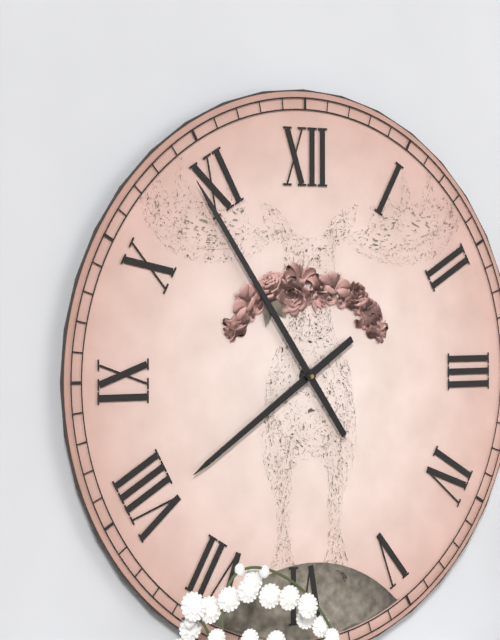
7:54
